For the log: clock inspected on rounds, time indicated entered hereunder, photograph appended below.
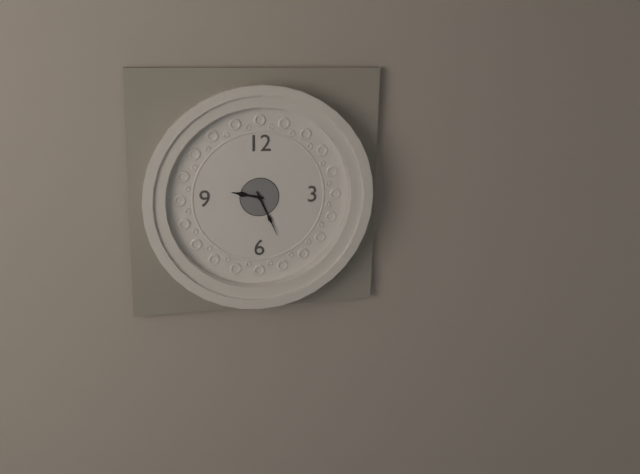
9:26
